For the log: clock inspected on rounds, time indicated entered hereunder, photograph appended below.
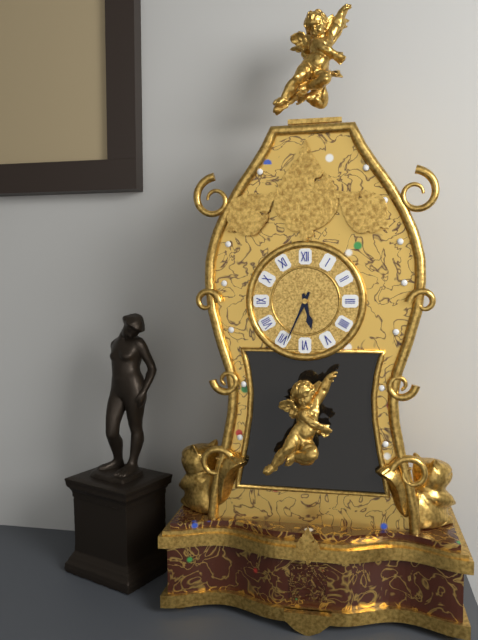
5:34
